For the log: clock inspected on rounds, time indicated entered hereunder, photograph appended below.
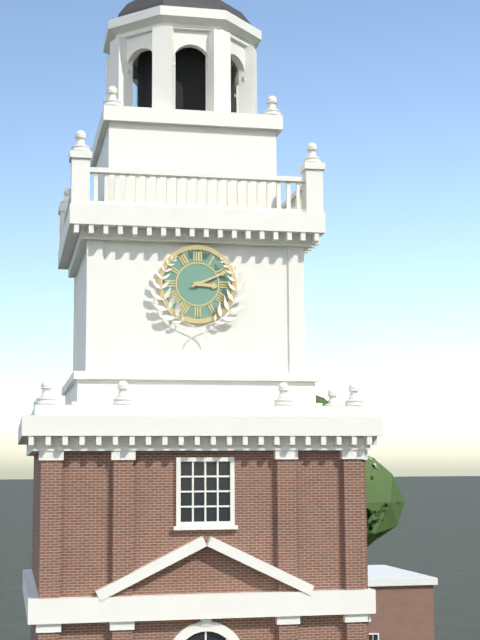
3:11
